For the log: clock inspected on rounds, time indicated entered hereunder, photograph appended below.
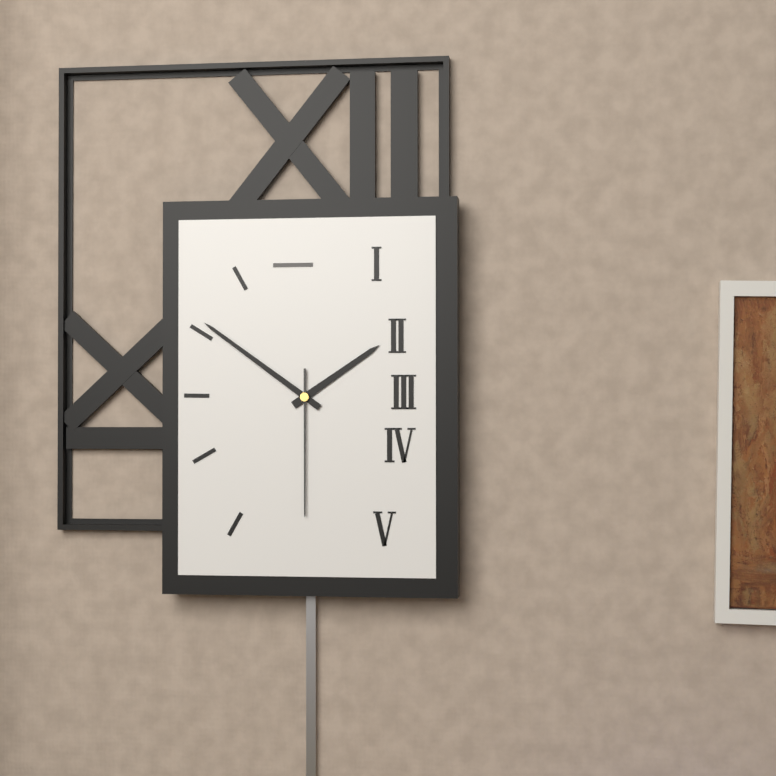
1:51:30
